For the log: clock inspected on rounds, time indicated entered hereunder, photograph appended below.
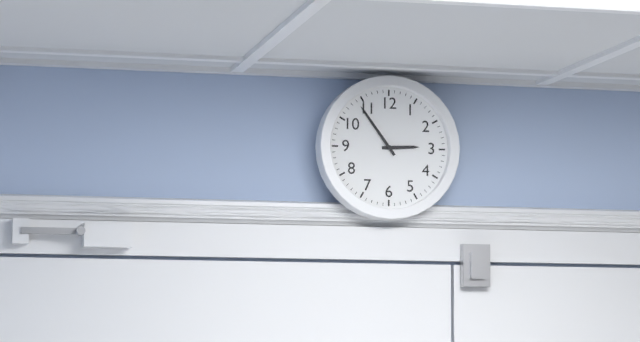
2:54
